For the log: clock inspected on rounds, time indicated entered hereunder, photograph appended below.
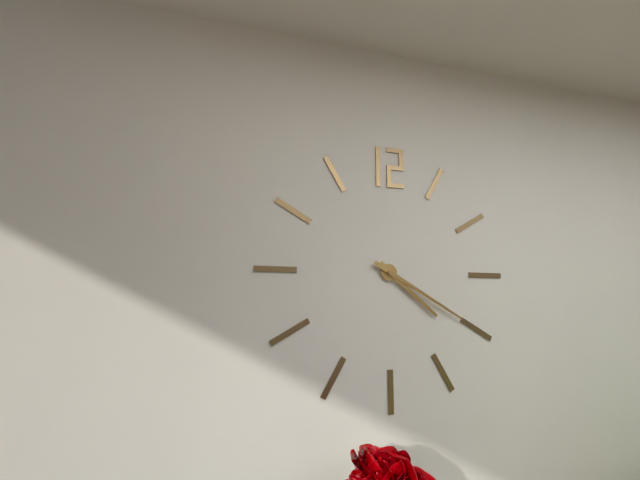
4:20
